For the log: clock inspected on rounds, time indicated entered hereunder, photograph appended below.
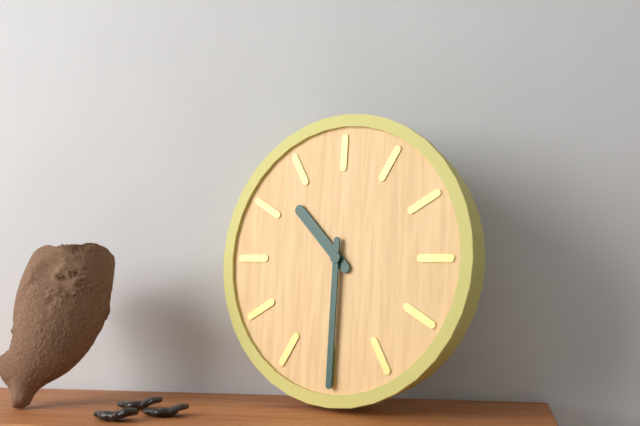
10:30
